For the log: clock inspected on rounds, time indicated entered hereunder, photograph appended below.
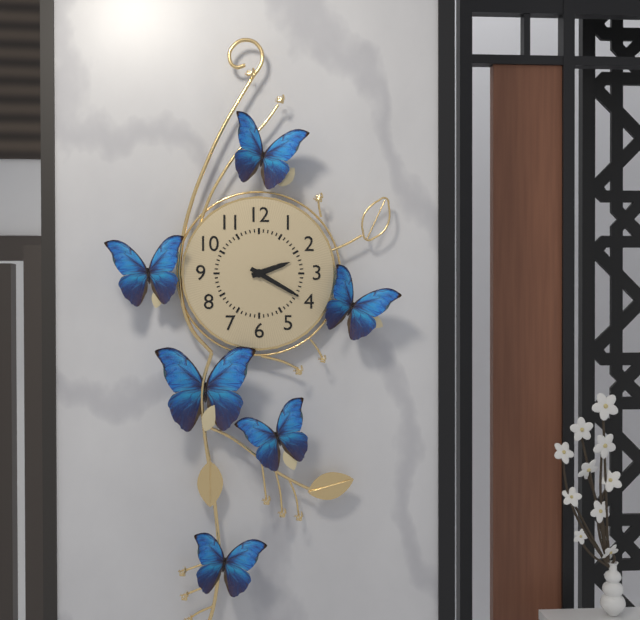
2:20
